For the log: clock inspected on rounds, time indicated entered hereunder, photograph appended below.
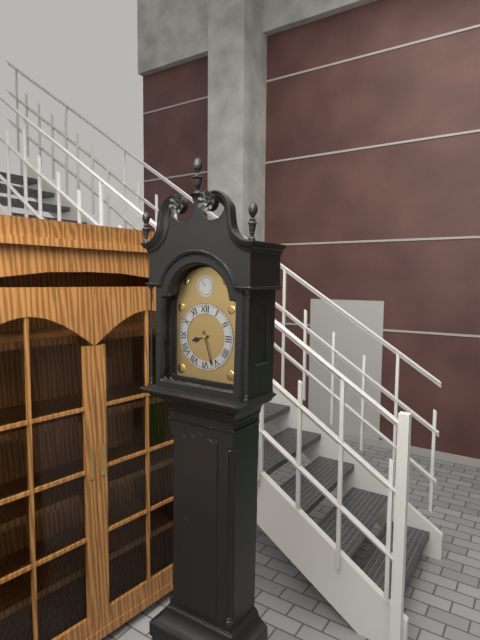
8:27
